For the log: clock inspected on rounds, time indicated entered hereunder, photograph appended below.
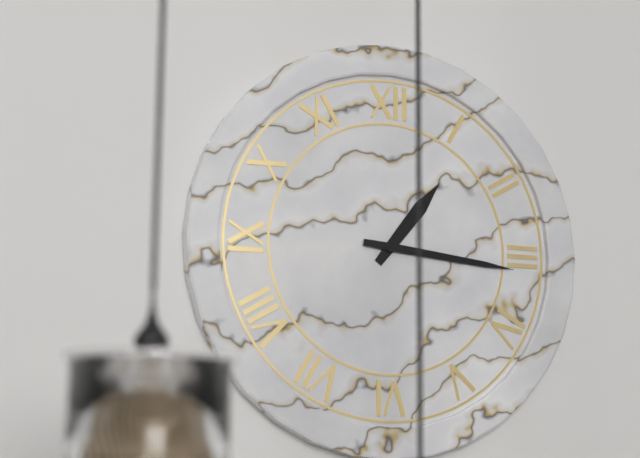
1:16
